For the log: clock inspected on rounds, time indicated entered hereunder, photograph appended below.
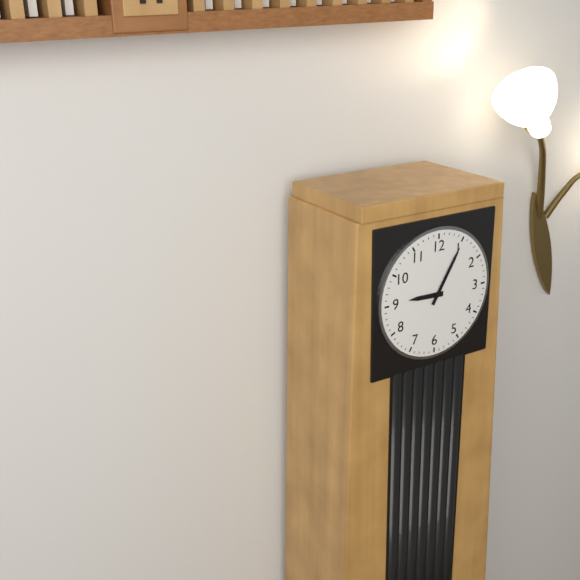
9:05
